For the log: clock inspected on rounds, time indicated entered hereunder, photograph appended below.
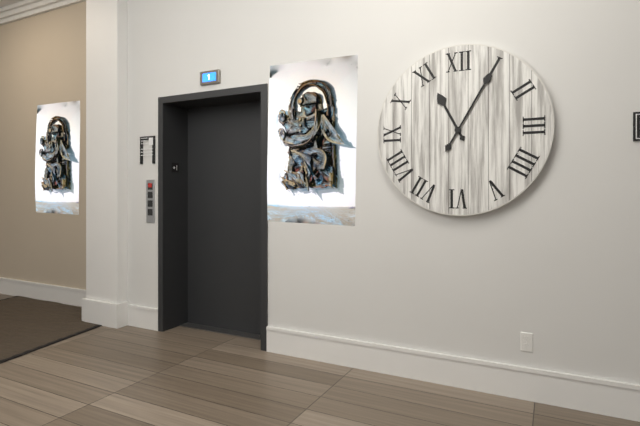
11:05
